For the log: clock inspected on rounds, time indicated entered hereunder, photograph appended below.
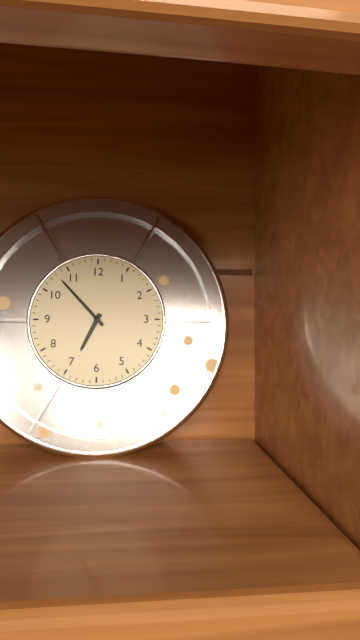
6:53
